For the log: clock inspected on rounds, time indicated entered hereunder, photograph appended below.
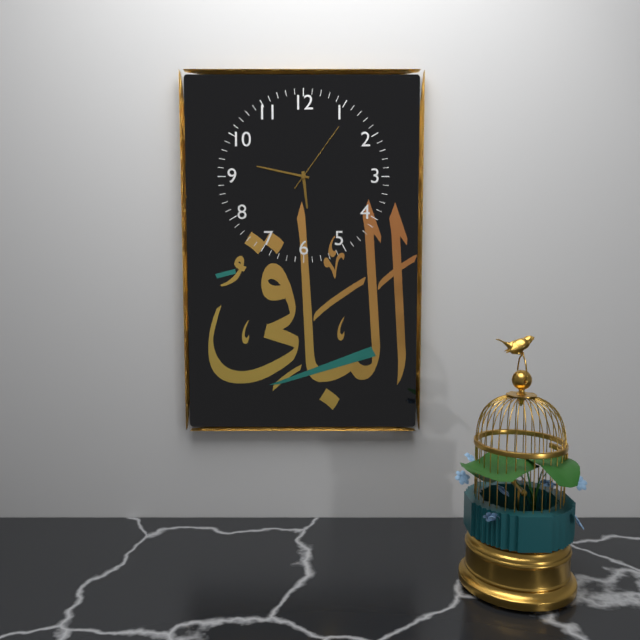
5:47:06
